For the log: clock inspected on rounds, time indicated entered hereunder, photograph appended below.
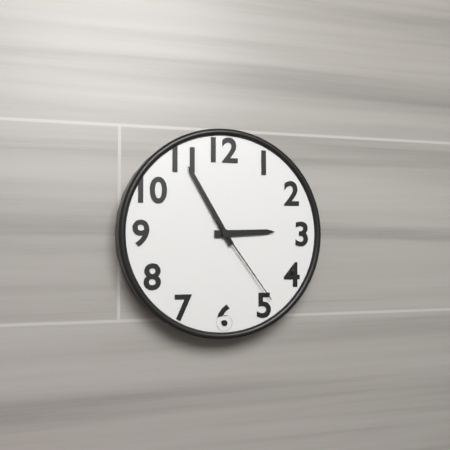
2:55:24
